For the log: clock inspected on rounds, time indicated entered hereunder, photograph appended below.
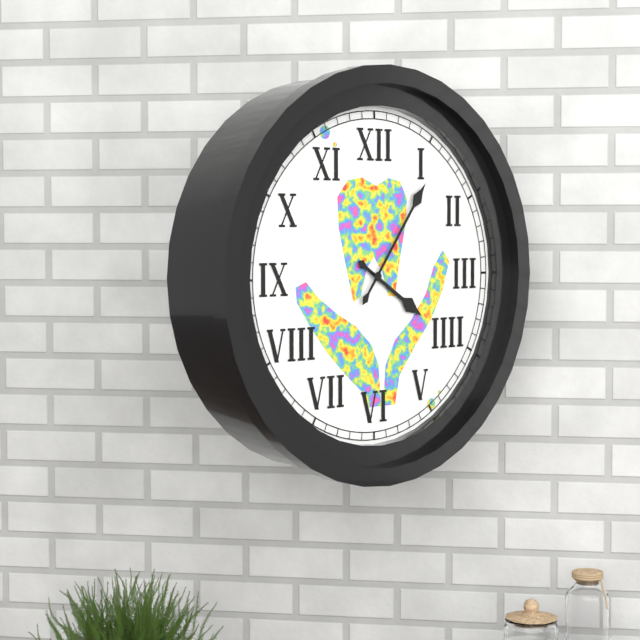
4:06
